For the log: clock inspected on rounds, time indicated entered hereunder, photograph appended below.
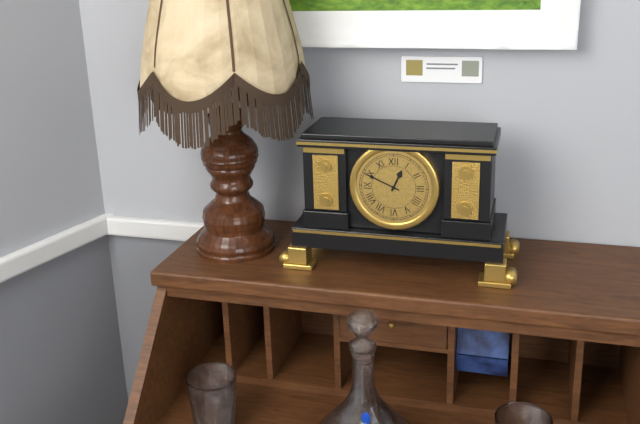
12:49
